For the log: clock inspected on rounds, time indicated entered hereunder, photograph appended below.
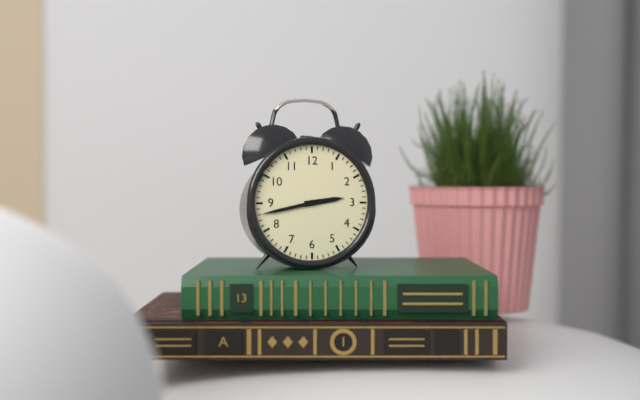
2:43
